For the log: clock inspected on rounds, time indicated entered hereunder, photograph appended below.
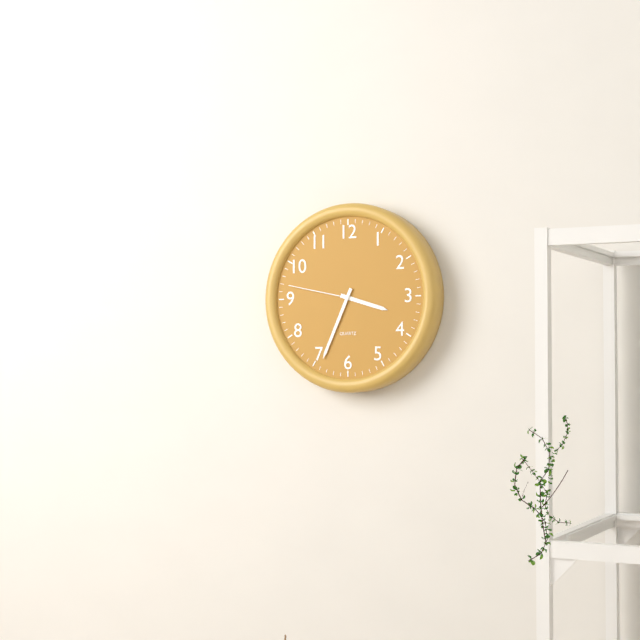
3:34:47
